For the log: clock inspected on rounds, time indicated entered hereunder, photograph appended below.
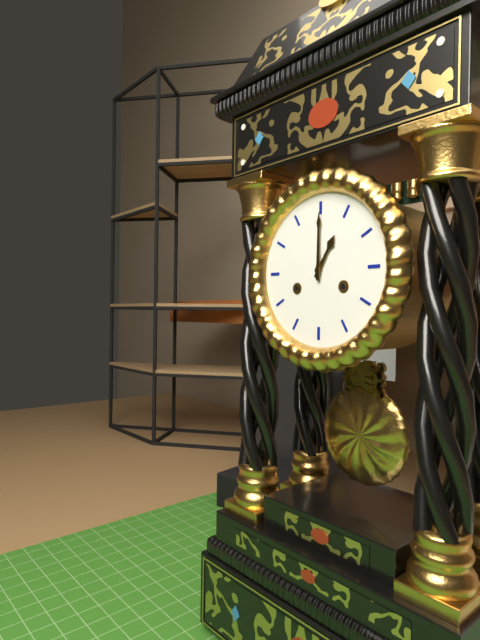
1:00
